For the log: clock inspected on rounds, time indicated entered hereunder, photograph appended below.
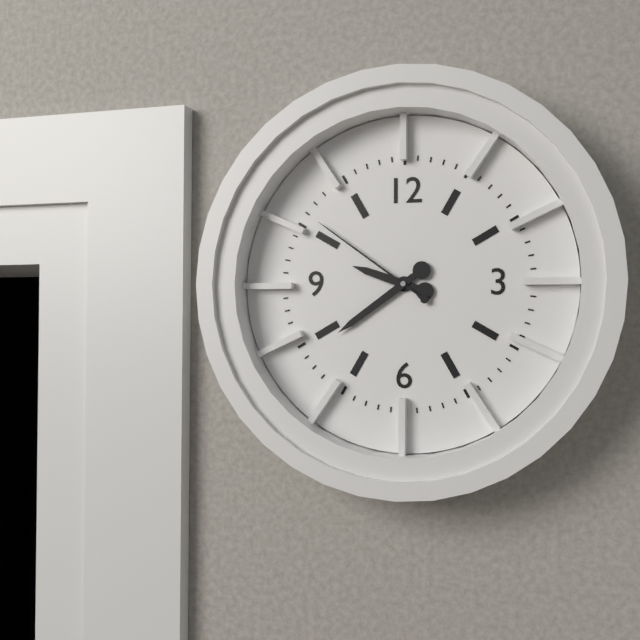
9:39:51
